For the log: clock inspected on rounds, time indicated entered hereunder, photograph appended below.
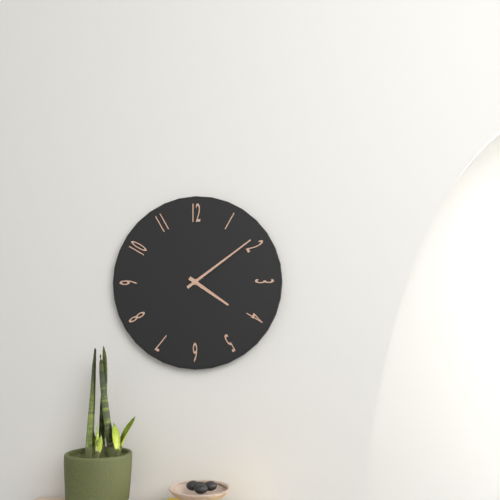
4:09
